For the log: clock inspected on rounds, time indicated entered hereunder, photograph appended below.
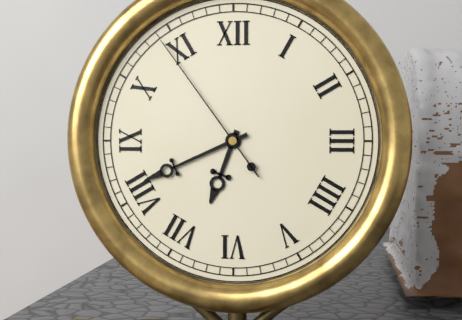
6:41:54
